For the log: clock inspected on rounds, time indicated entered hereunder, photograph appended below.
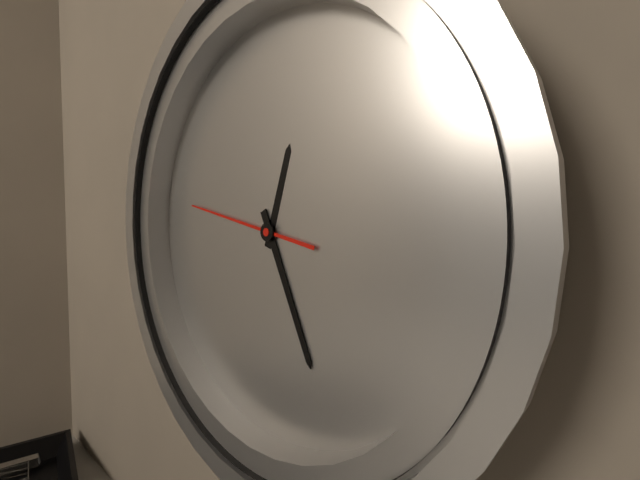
12:25:46
